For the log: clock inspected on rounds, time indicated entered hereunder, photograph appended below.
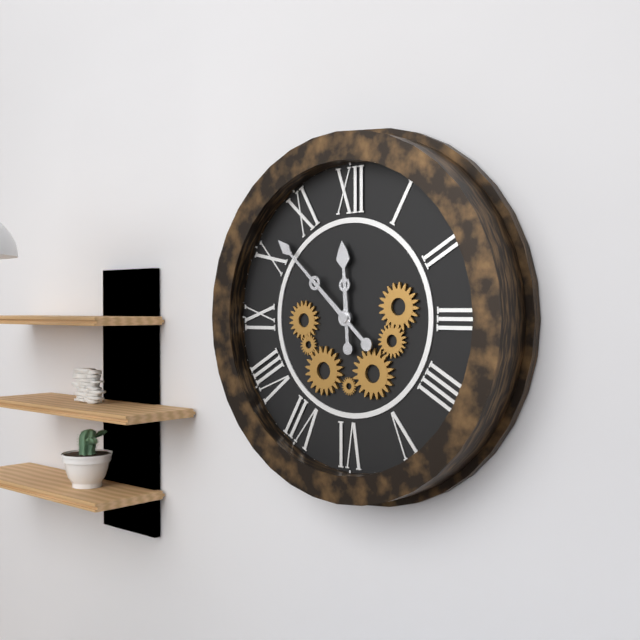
11:52
